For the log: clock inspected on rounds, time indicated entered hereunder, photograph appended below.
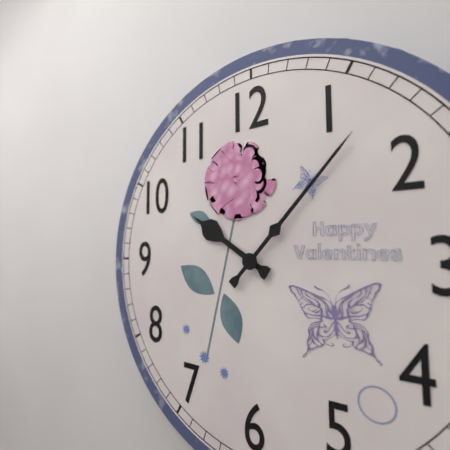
10:07
